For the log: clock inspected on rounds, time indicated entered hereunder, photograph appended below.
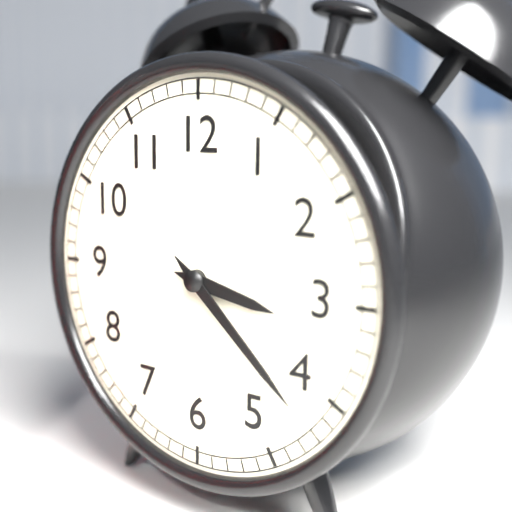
3:22
